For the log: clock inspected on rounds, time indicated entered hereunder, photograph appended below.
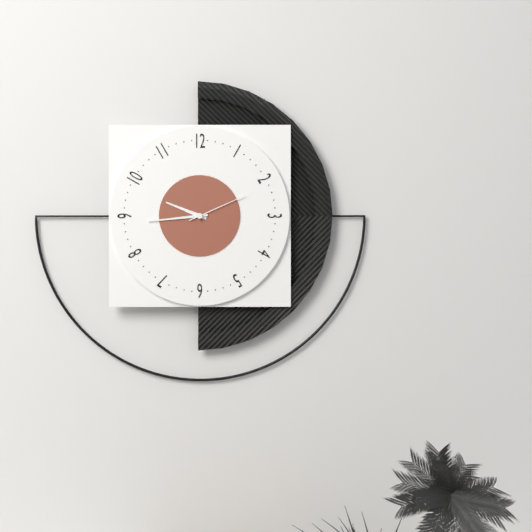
9:44:11
